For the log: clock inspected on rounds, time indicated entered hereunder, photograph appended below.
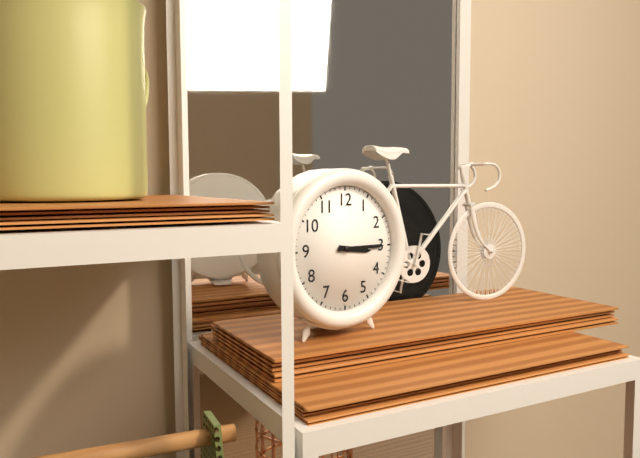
3:15
